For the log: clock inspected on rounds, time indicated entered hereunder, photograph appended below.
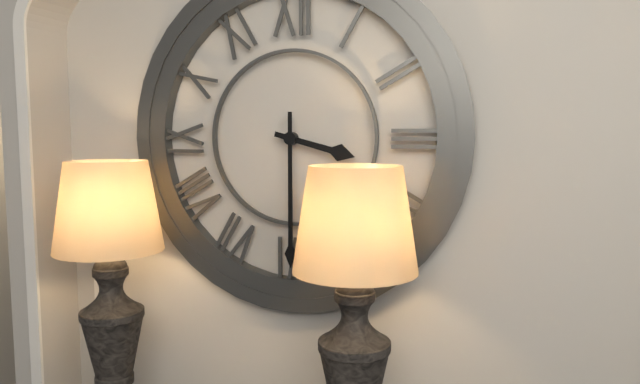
3:30
